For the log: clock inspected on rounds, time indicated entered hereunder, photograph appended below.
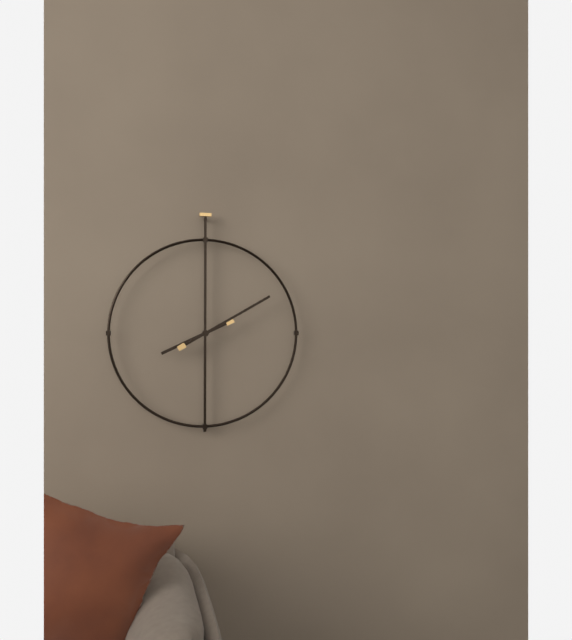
8:10
